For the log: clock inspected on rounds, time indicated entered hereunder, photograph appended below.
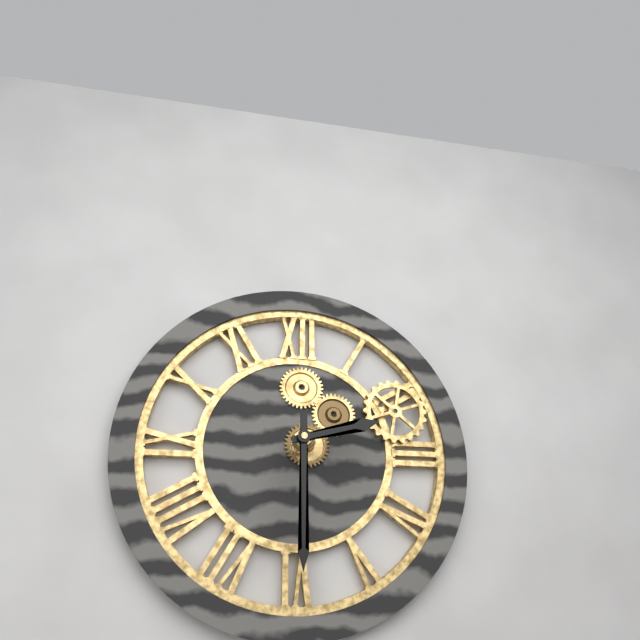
2:30
